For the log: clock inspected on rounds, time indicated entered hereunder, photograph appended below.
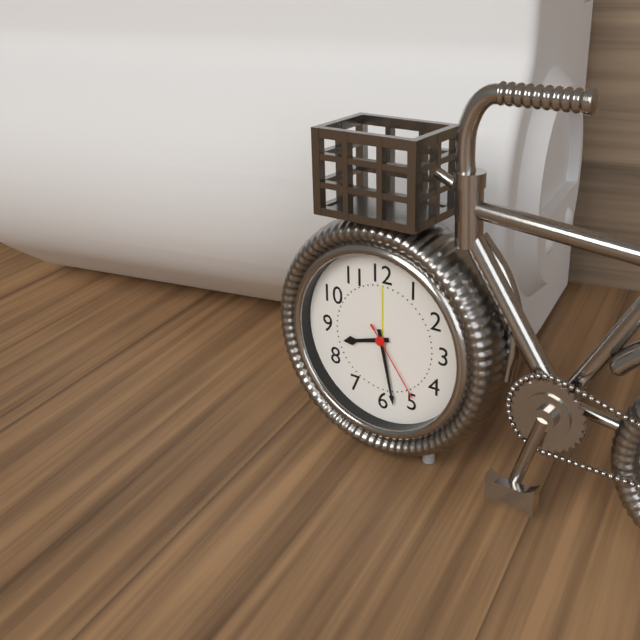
8:28:24
